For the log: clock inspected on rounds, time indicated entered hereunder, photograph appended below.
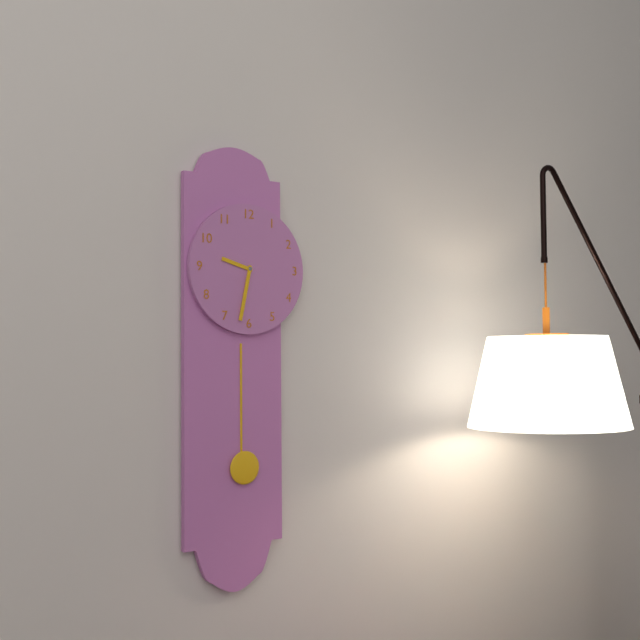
9:32
